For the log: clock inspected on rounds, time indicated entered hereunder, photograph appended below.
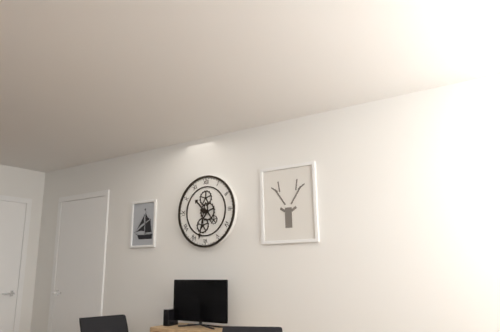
10:32
